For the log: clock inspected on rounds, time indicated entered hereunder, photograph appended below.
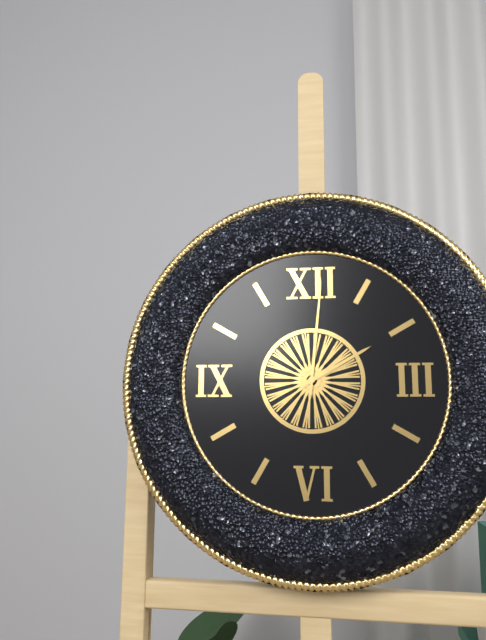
2:01
